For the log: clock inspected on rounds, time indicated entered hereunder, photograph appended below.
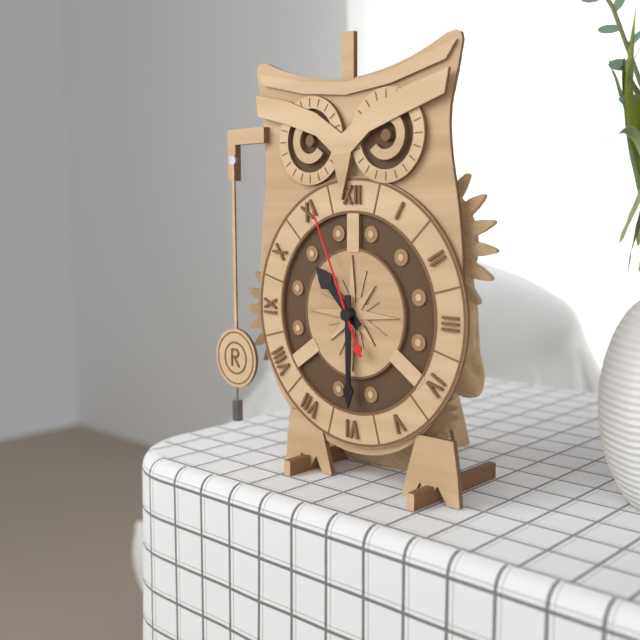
10:30:56
